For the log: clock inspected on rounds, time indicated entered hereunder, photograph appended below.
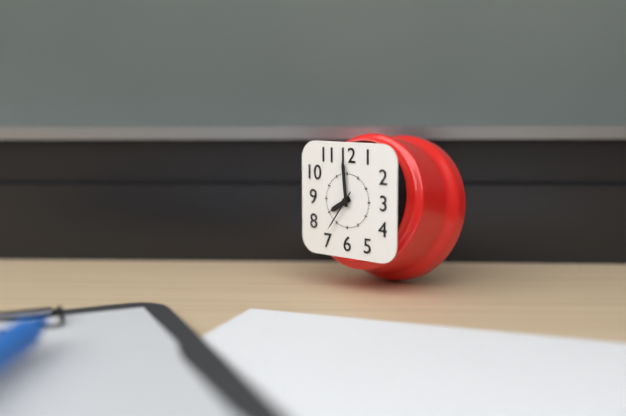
7:59
